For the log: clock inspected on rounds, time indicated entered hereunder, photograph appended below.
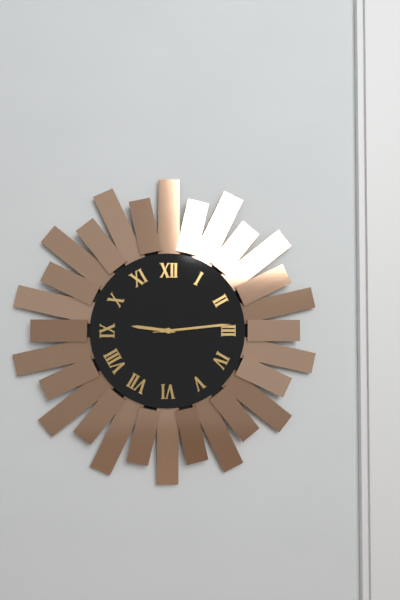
9:14:14
